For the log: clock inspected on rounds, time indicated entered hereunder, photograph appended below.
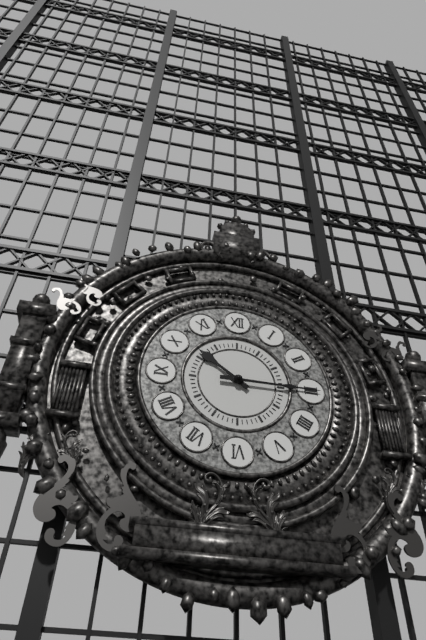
10:15
